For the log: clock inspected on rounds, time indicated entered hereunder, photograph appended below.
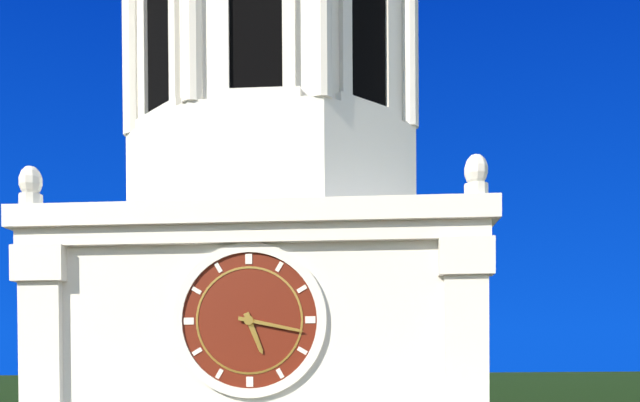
5:17
